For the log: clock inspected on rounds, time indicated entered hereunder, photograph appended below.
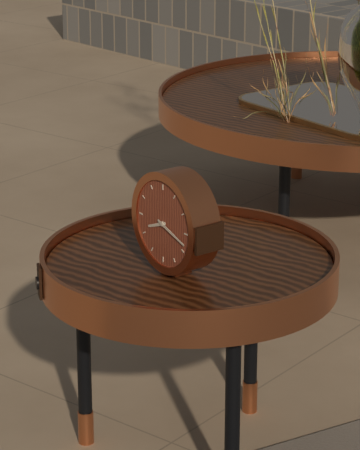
8:18
